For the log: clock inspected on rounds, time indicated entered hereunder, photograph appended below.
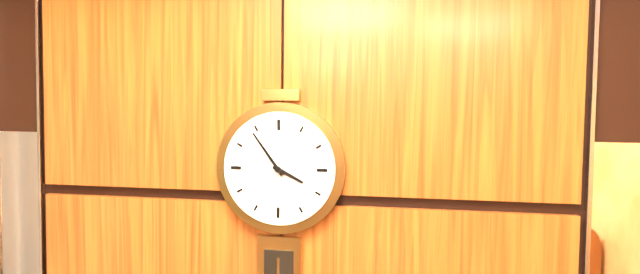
3:54
